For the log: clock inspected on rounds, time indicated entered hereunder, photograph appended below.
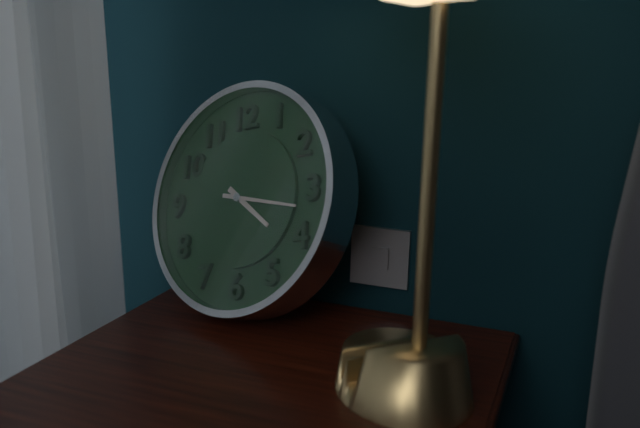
4:17
